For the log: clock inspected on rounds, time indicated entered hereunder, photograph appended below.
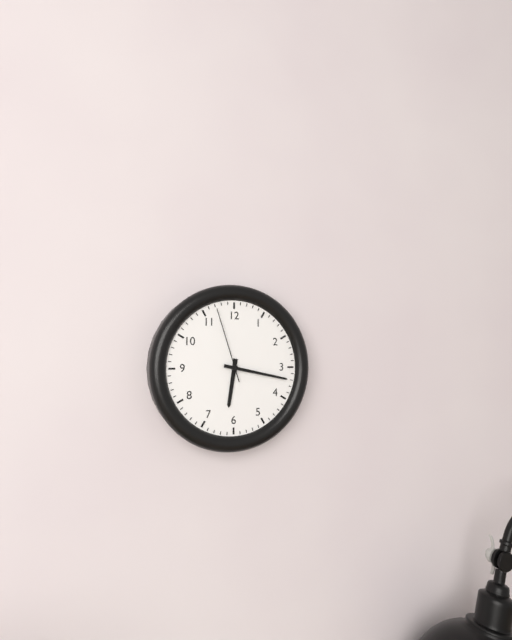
6:17:57
